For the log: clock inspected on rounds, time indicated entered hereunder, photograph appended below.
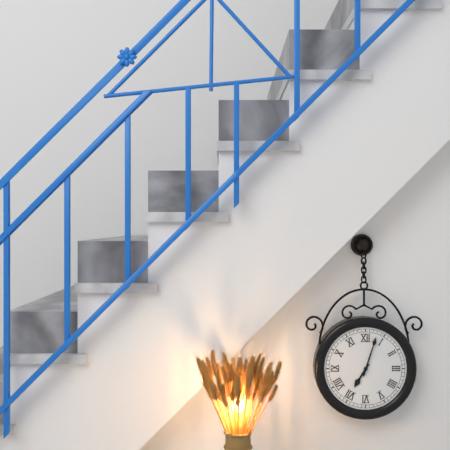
7:03
